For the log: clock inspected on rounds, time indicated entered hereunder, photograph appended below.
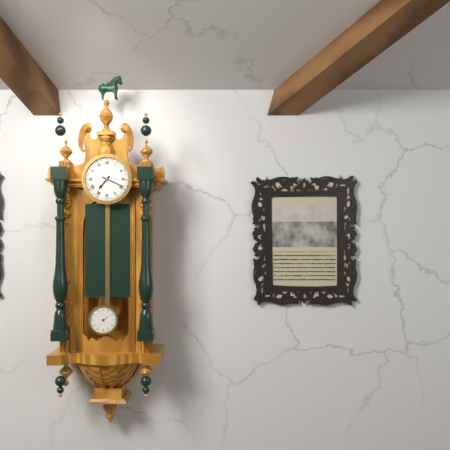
7:19
